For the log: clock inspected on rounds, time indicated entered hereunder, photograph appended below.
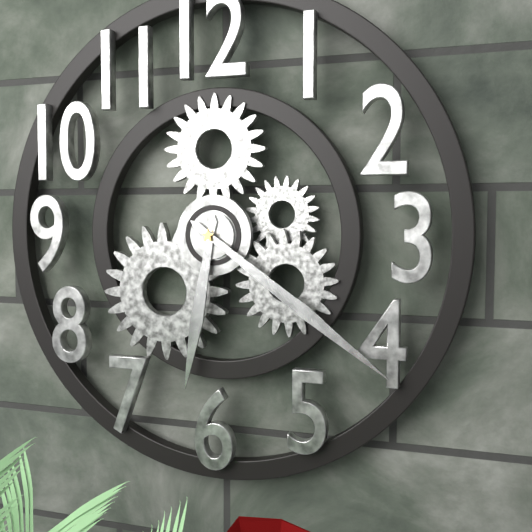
6:21
